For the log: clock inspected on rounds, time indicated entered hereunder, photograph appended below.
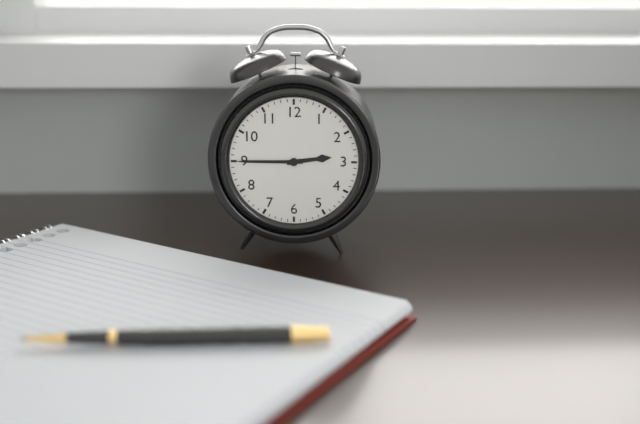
2:45
